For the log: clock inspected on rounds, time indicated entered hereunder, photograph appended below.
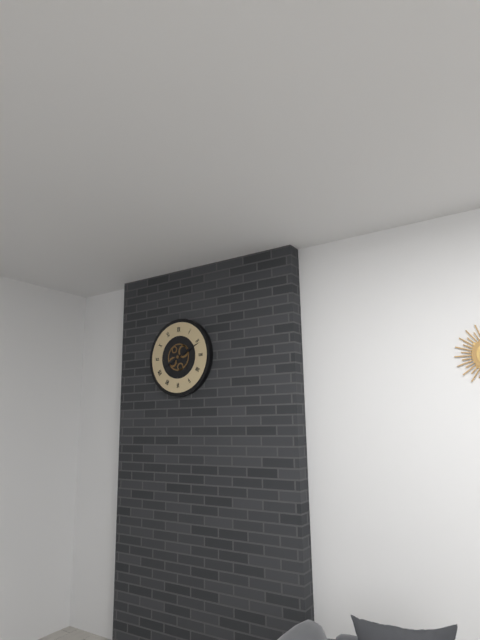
8:11
